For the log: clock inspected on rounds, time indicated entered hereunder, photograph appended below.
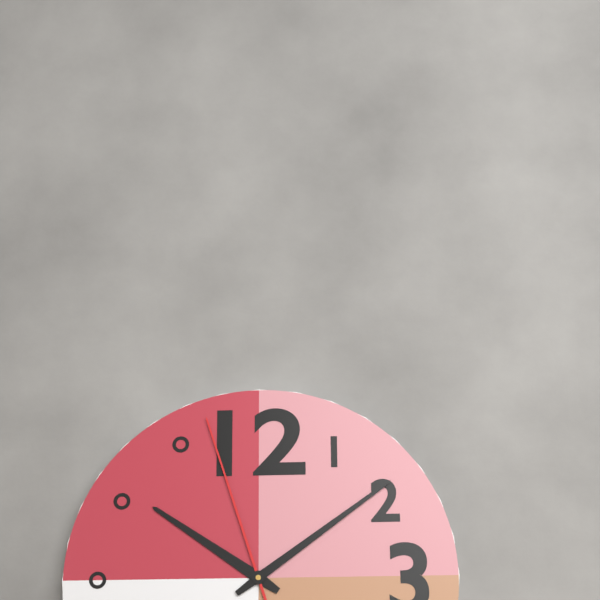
10:09:57
